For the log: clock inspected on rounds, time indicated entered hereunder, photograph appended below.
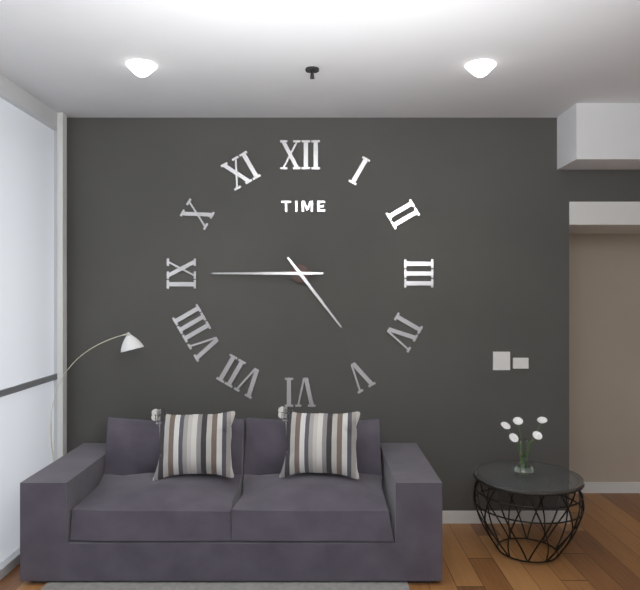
4:45
